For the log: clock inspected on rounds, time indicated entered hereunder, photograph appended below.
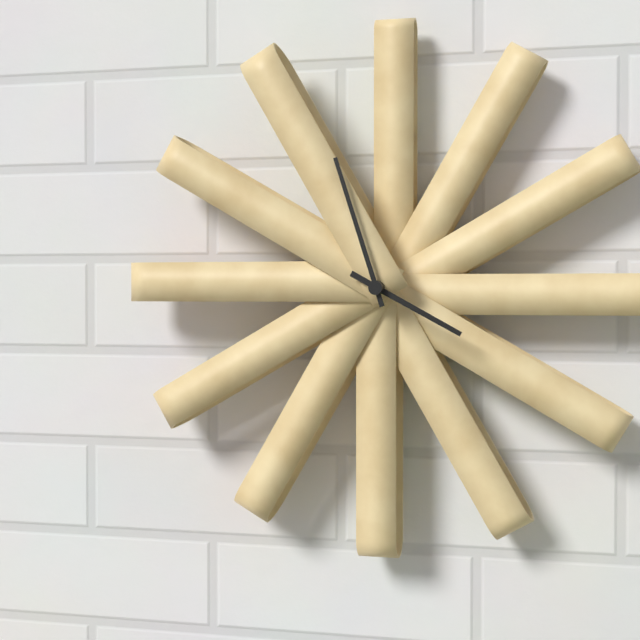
3:57
